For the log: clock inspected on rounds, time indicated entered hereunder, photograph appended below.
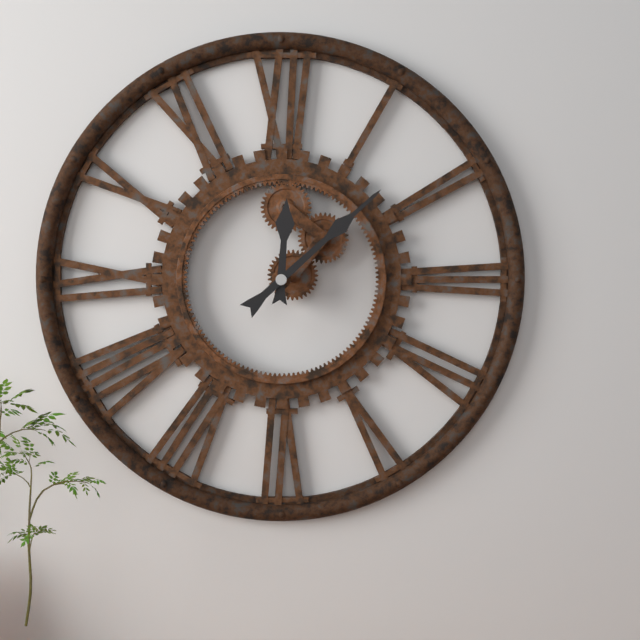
12:08
